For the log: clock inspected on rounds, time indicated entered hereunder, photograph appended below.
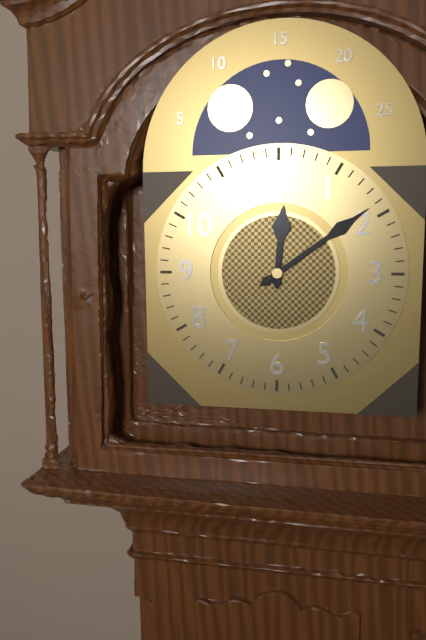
12:09
